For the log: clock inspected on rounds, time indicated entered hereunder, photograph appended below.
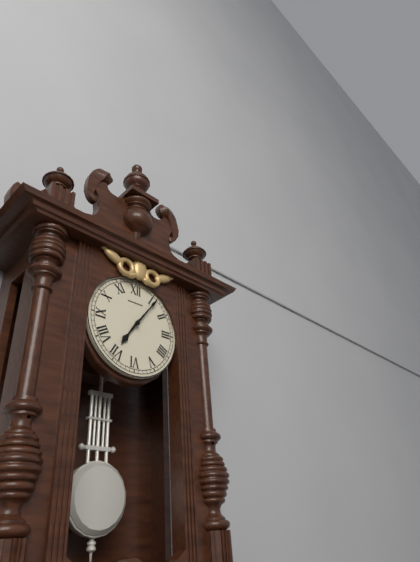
7:06
